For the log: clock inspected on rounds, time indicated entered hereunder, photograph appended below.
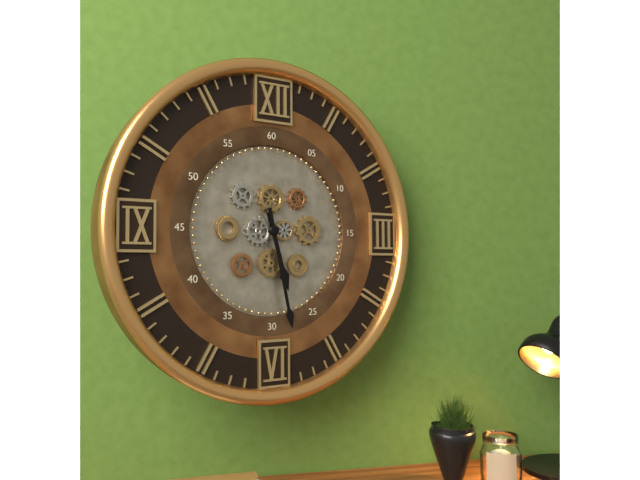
5:28
